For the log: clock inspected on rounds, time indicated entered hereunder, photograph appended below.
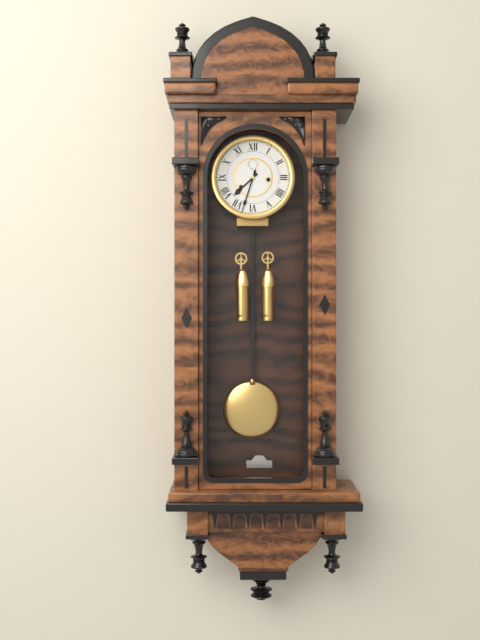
7:33
